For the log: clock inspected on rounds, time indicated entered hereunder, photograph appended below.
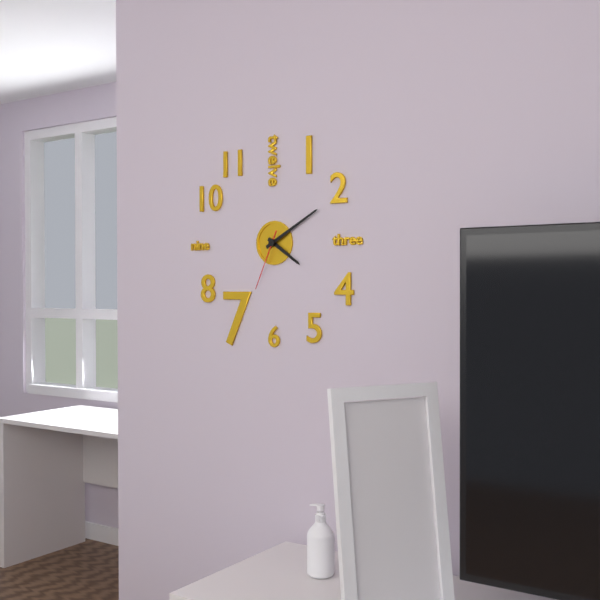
4:10:34
